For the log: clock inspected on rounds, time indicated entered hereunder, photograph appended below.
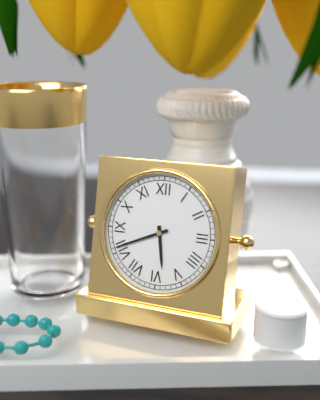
5:41
